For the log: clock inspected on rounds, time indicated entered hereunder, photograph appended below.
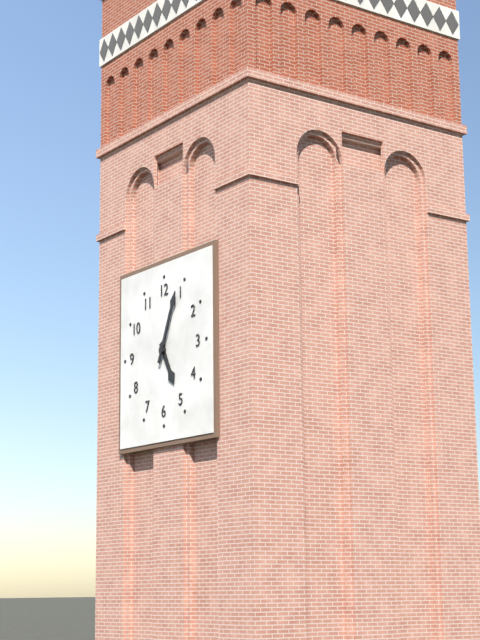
5:04
